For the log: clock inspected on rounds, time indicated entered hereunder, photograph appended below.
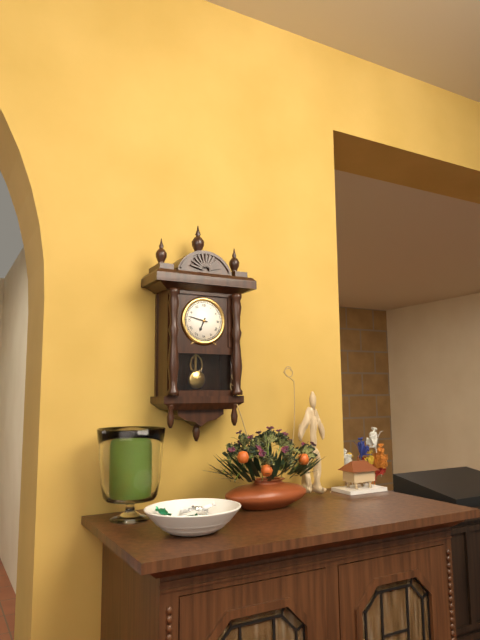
6:47
